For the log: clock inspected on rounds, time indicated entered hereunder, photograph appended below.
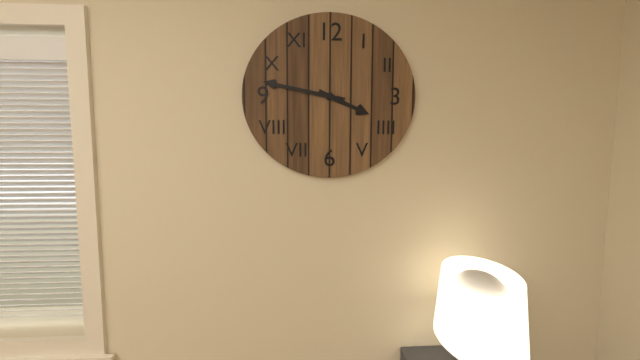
3:47
